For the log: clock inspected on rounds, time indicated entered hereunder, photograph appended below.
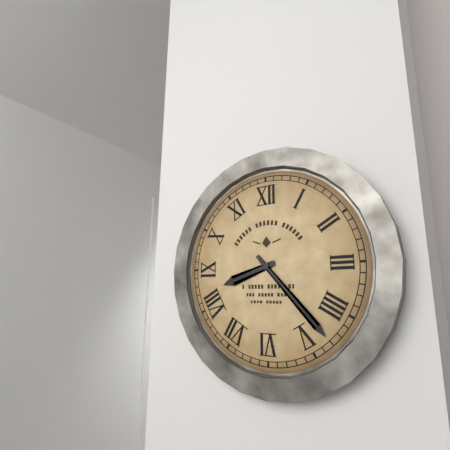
8:23
